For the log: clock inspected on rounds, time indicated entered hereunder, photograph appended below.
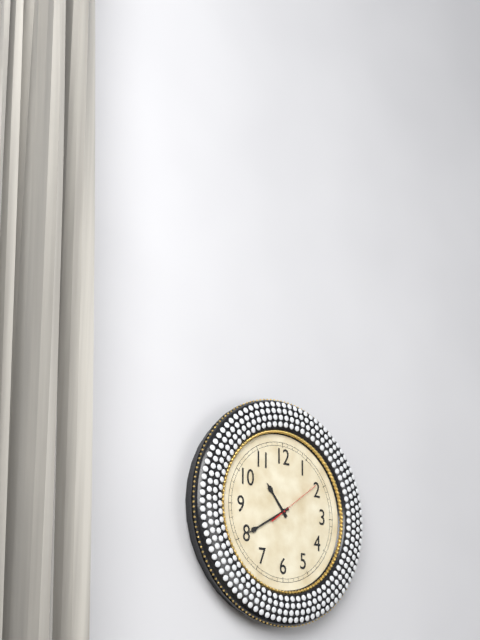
10:40:09
